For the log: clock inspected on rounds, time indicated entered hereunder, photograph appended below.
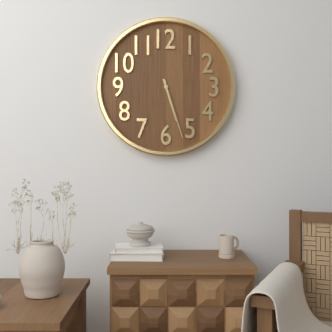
5:27
